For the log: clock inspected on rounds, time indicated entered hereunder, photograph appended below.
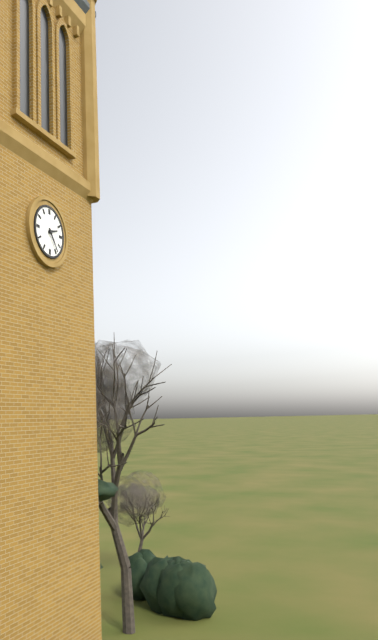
2:24
